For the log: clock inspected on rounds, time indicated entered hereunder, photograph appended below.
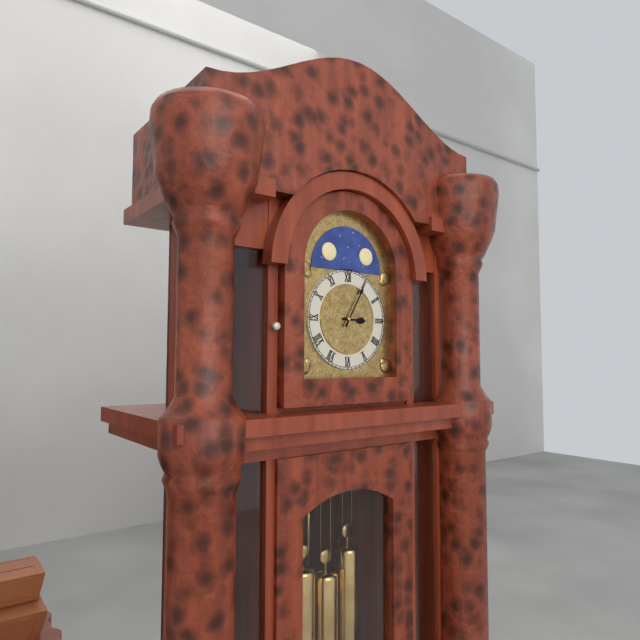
3:05
